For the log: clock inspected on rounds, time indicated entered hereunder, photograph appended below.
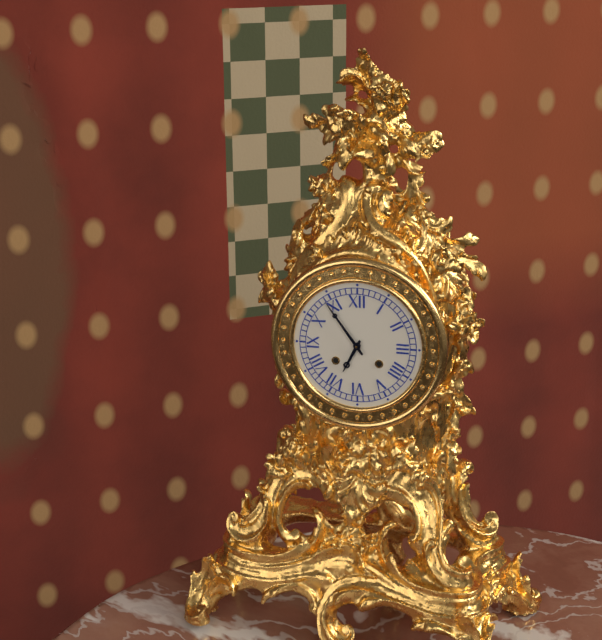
6:54
